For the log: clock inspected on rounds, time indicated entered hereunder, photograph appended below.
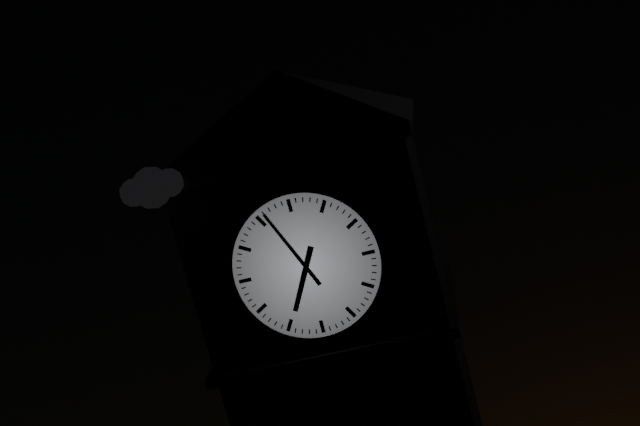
6:56
